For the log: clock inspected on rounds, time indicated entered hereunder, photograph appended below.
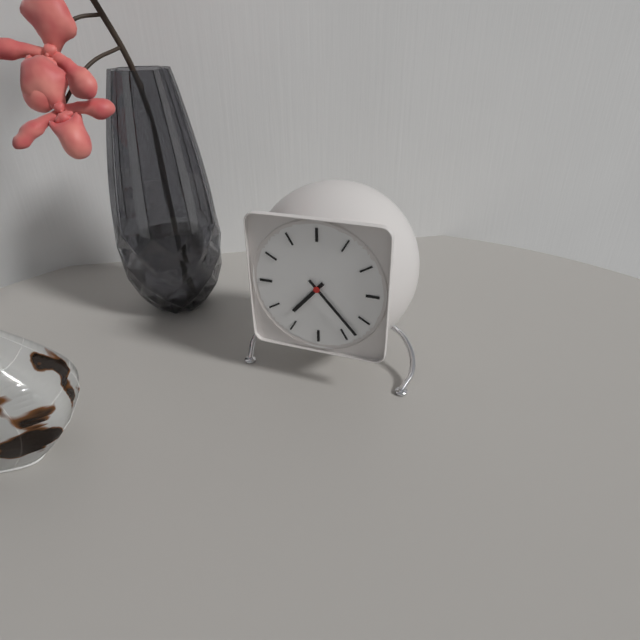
7:23
